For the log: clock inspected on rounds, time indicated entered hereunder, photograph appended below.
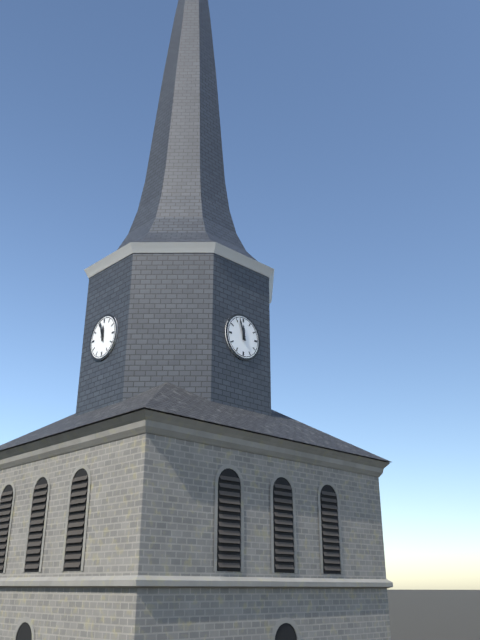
11:57
